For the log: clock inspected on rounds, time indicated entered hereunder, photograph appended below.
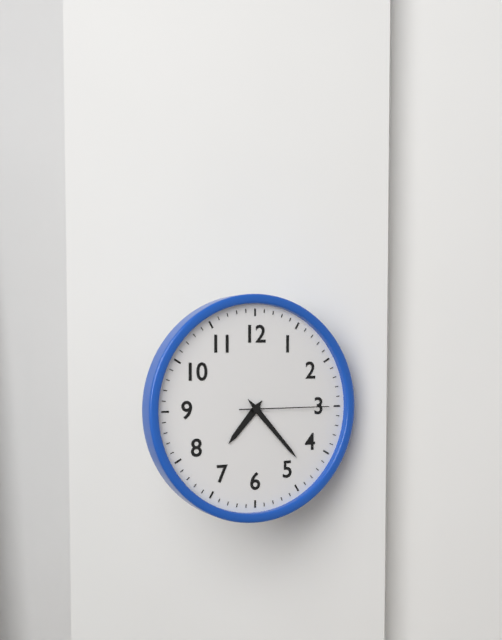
7:23:15
